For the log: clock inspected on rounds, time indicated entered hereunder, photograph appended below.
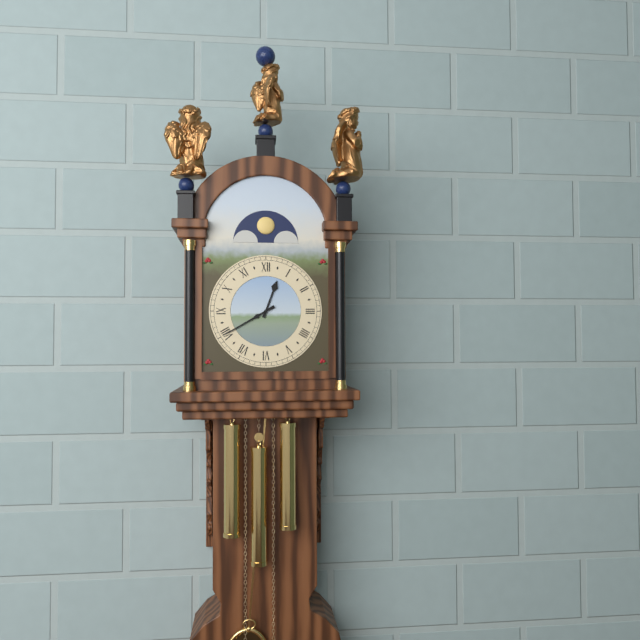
12:40
